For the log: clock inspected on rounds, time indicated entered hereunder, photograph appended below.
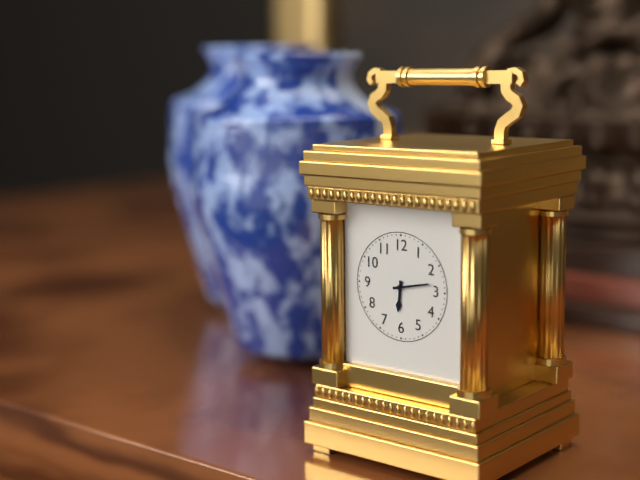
6:13
